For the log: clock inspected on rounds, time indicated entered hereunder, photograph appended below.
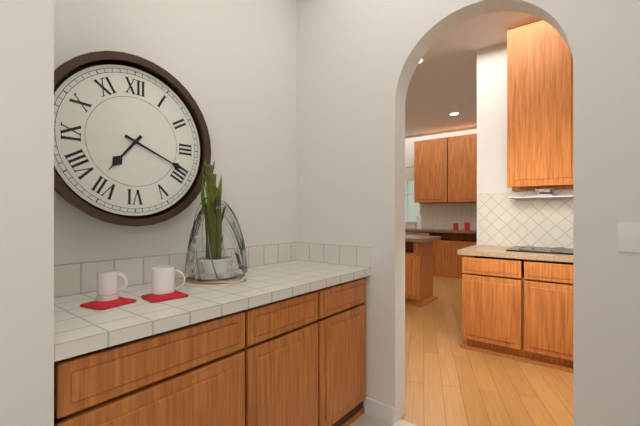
7:19
